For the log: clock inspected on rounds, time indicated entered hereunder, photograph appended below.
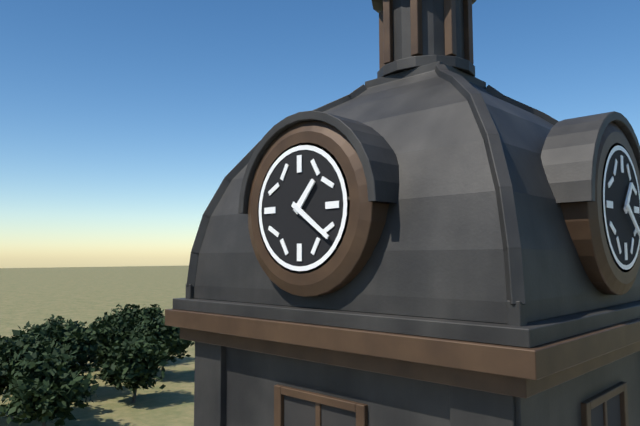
1:21
